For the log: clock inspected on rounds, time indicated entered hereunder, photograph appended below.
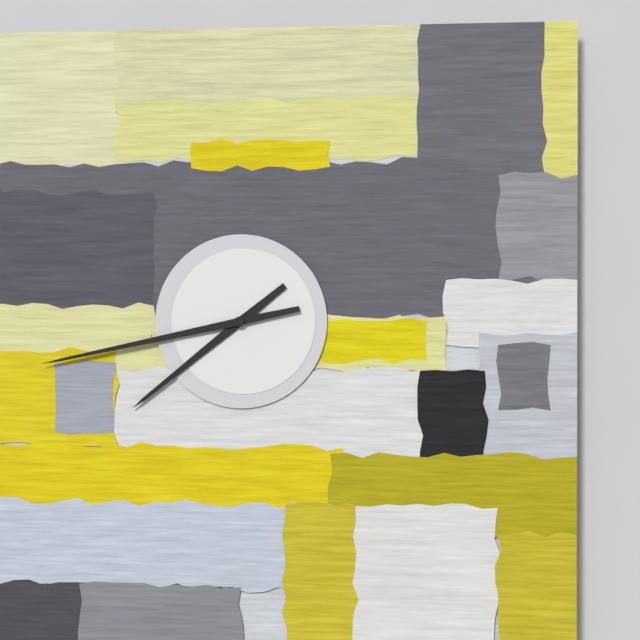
7:43
